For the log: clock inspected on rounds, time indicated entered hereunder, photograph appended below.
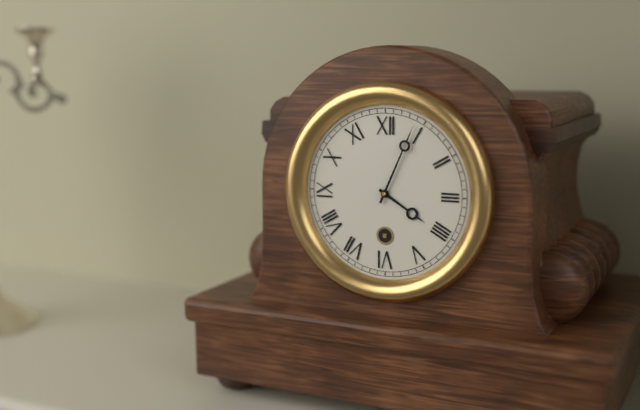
4:04
